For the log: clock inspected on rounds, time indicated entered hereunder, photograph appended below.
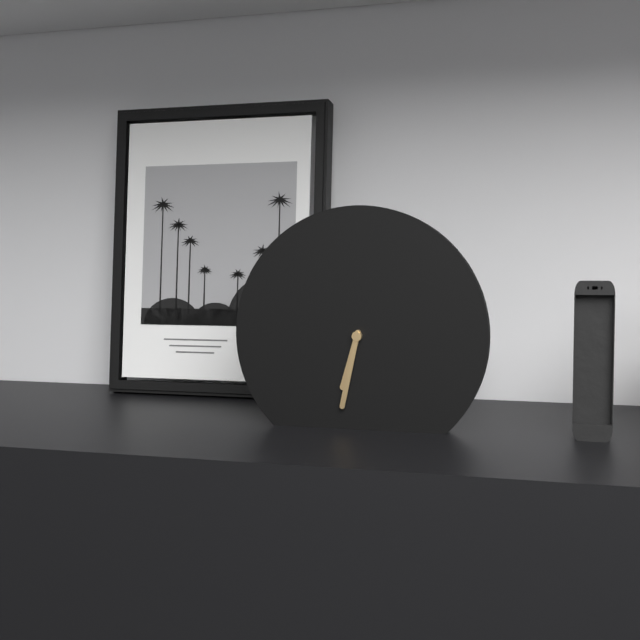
6:32
